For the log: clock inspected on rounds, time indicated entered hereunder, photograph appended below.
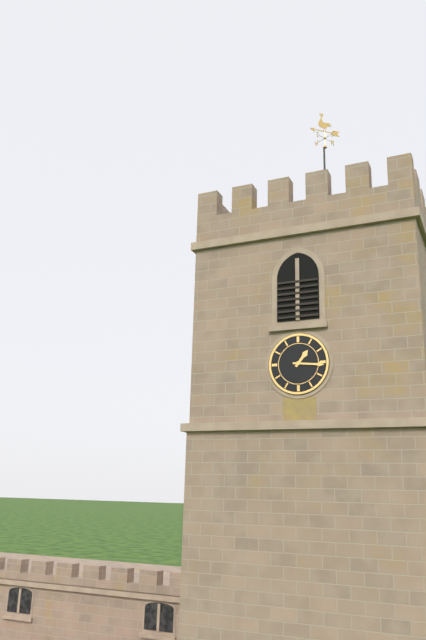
1:16
